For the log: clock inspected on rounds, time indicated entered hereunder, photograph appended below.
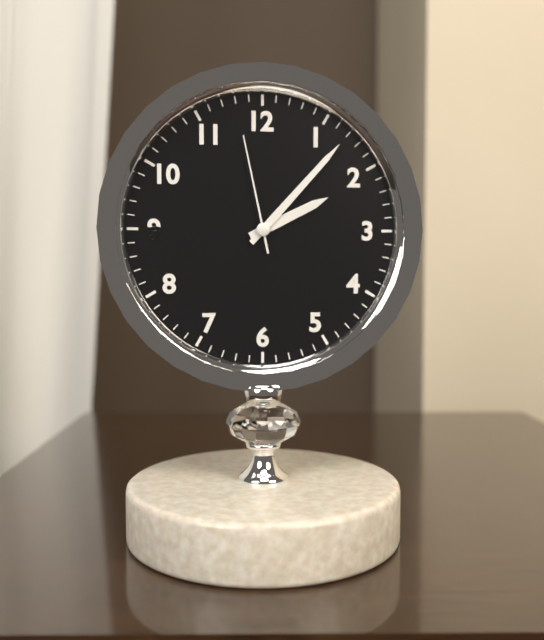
2:07:58
